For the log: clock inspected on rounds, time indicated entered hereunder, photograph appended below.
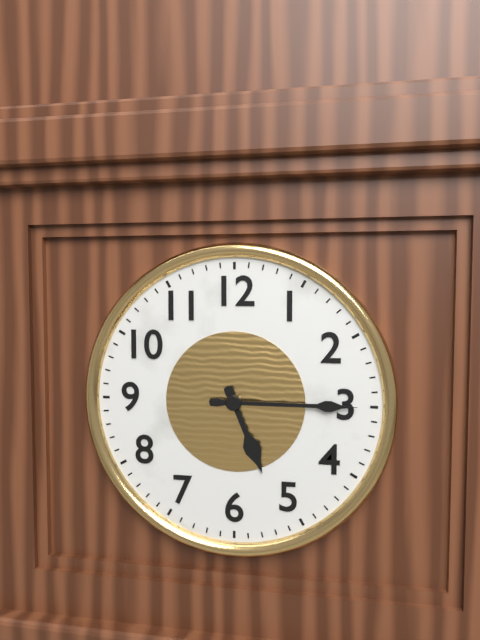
5:15
